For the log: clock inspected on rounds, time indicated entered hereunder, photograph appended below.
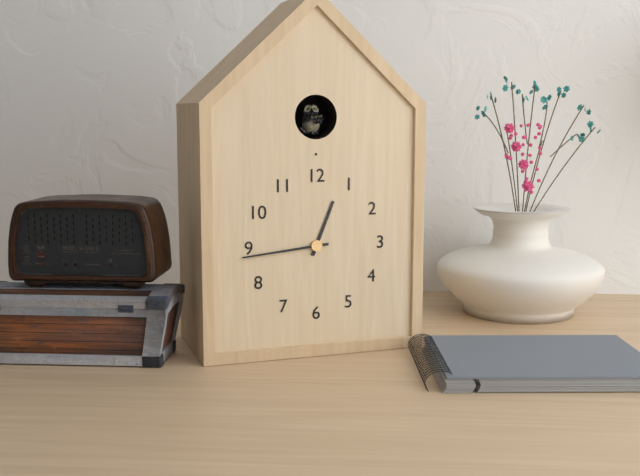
12:44
